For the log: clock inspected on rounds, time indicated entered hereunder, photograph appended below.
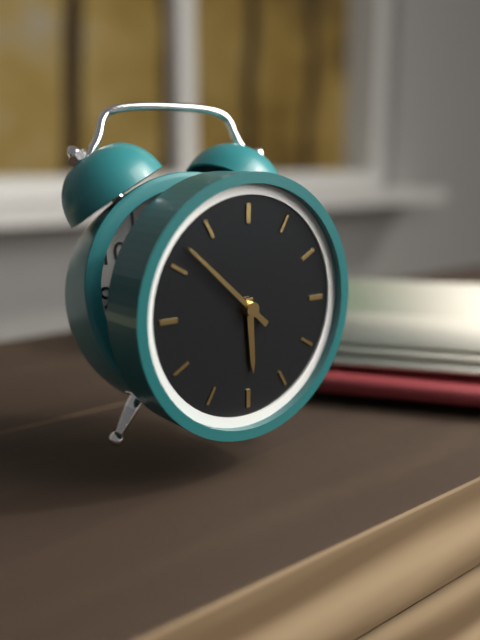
5:52
